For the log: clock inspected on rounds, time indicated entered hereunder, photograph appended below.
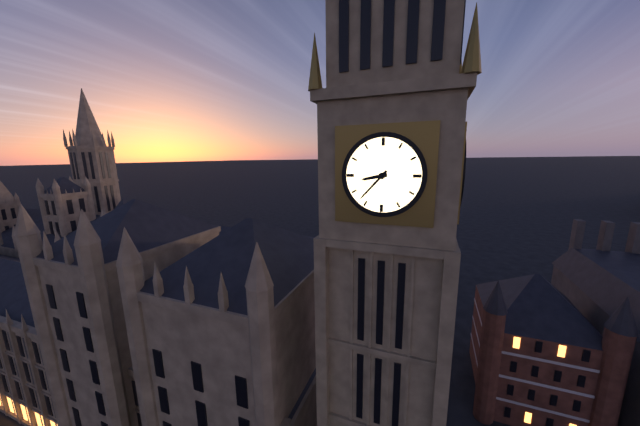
8:37
